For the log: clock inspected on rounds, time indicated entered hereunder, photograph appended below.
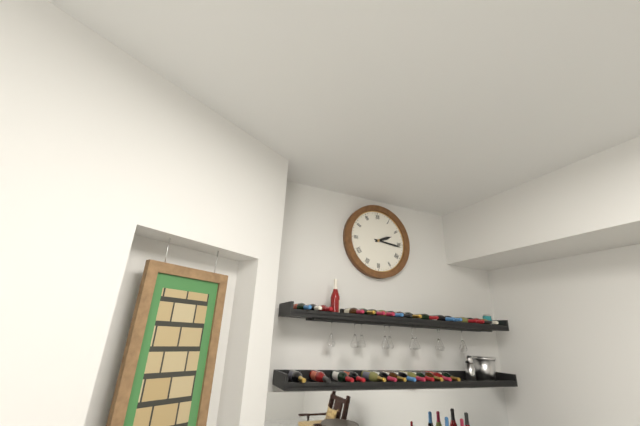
2:16
